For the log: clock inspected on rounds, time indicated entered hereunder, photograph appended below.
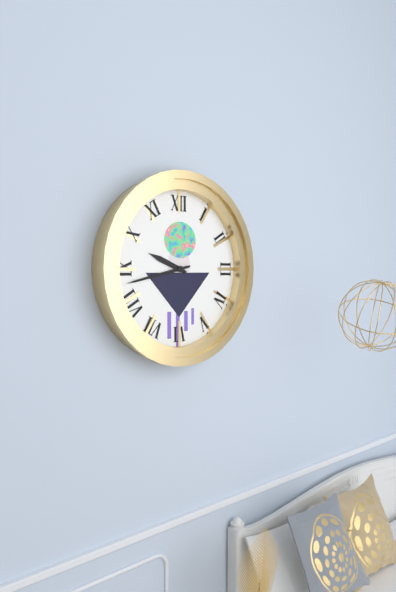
9:43
